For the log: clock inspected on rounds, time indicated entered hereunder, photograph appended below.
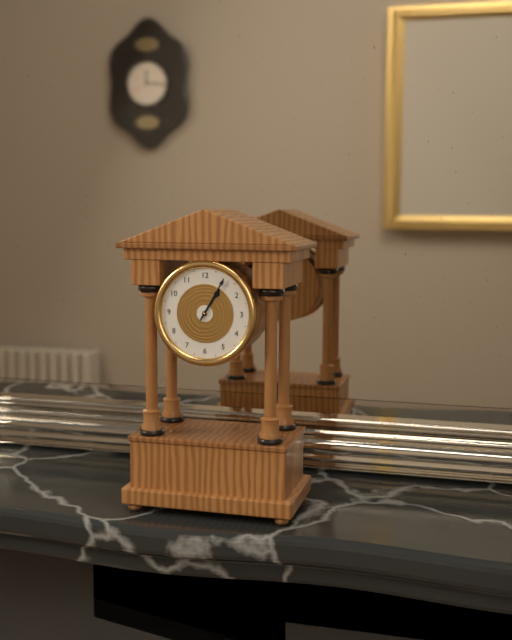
1:05
